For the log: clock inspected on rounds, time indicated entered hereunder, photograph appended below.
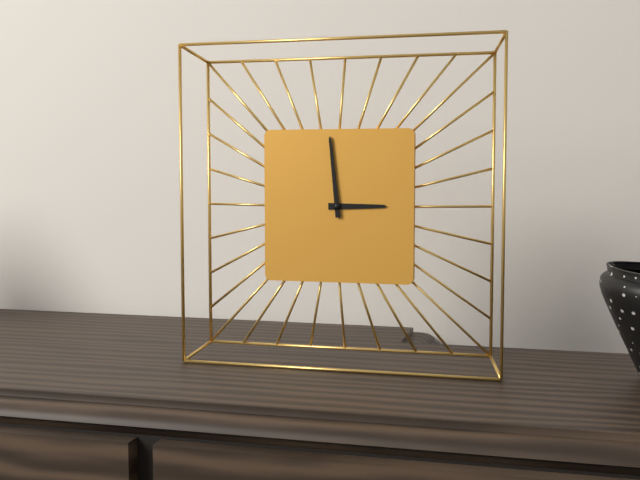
2:59
